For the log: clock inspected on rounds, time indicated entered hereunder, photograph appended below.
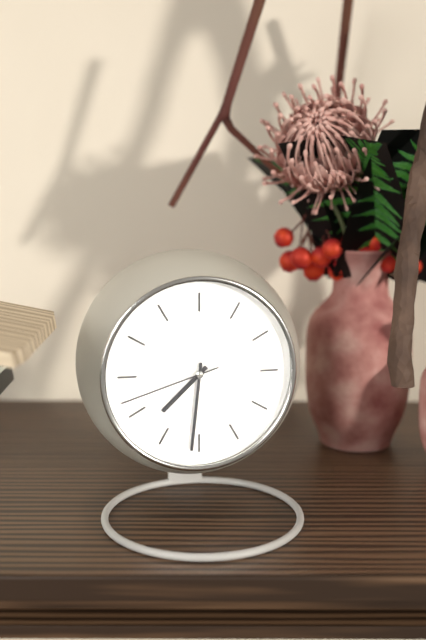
7:31:42
